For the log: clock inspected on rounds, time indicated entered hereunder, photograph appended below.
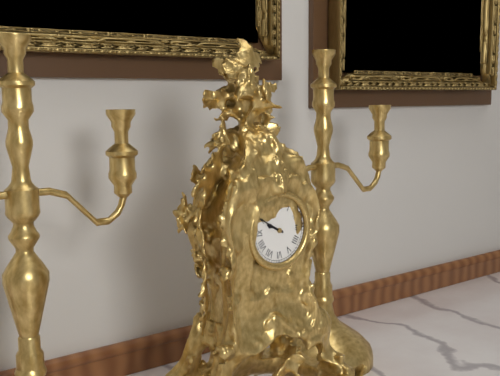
9:50
